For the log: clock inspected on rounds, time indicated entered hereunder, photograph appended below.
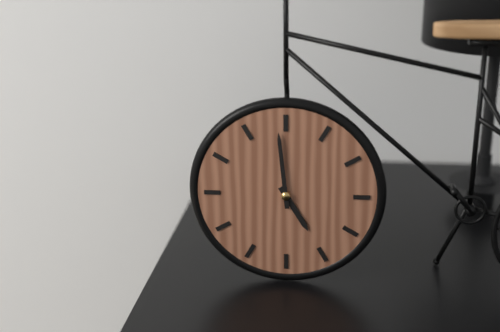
4:59
